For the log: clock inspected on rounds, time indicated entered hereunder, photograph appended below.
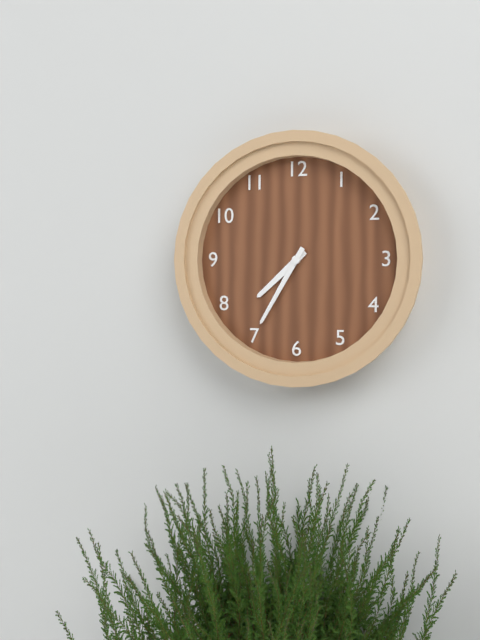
7:35
